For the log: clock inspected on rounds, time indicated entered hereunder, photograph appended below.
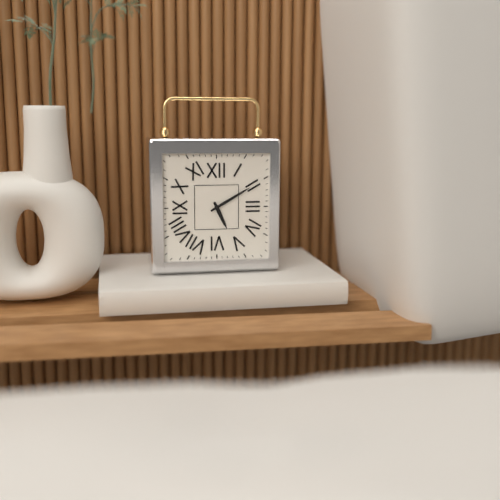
5:10
